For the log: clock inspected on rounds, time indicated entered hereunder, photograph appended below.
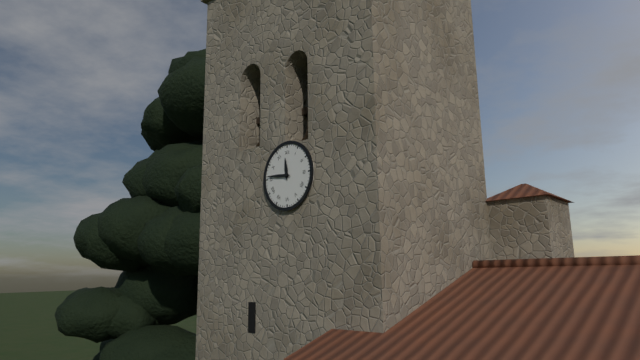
11:46
